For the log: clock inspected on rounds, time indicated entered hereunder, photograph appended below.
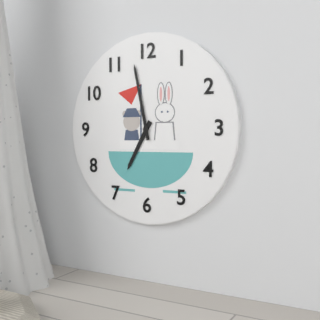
6:58
